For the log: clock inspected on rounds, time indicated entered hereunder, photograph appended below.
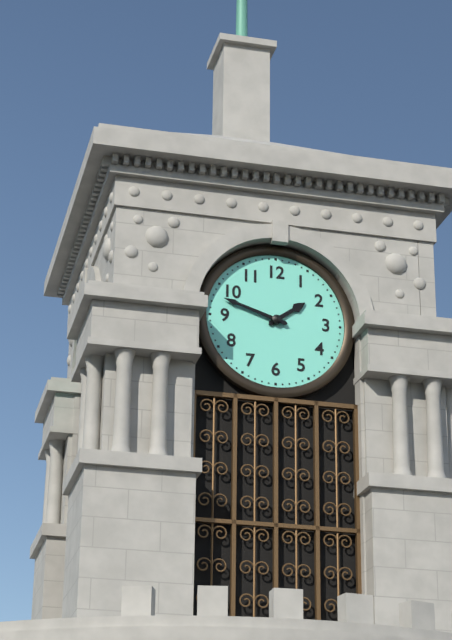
1:48
